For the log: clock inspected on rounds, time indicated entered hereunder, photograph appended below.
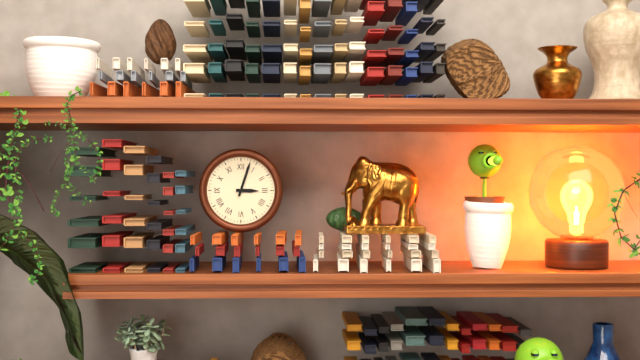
3:03
